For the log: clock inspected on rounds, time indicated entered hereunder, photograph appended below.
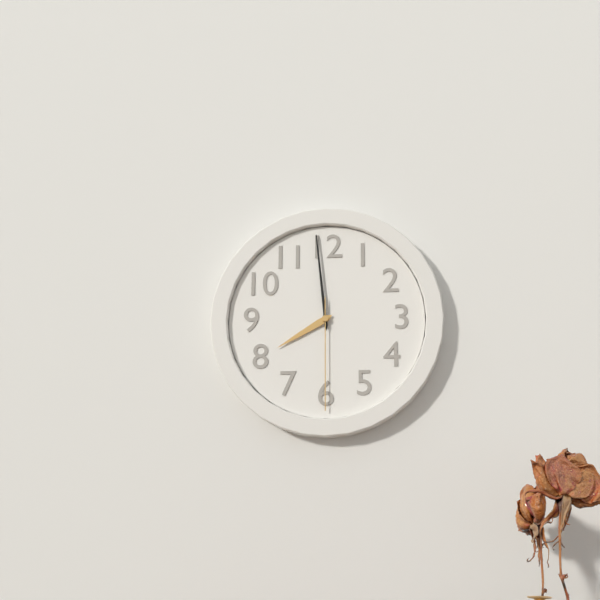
7:59:30
